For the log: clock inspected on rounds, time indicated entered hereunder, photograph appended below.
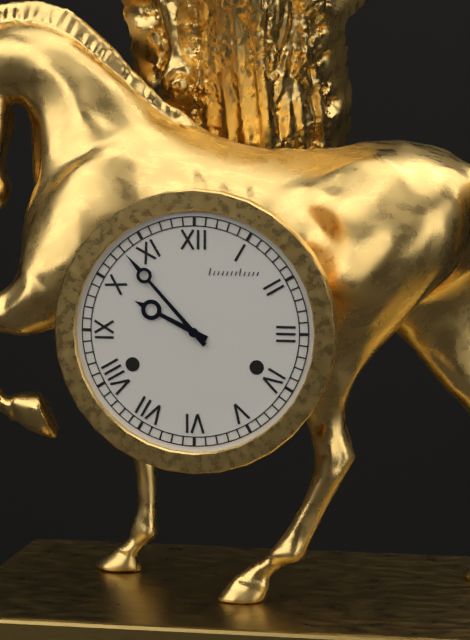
9:53
